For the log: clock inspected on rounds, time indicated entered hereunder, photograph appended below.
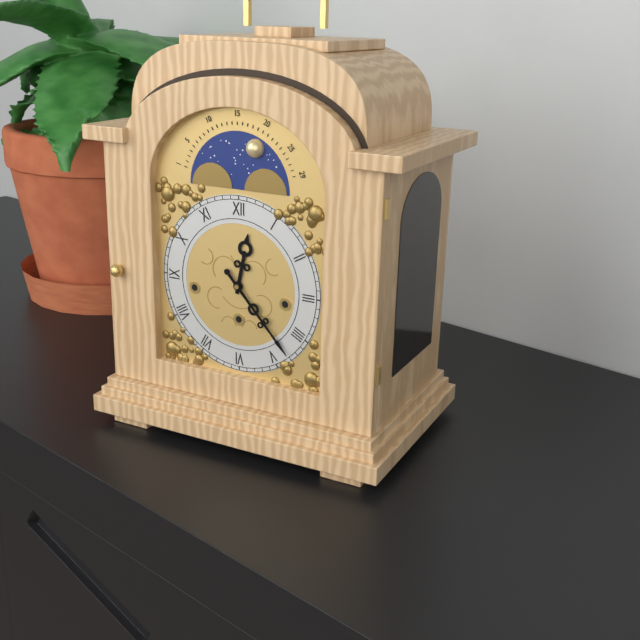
12:23
